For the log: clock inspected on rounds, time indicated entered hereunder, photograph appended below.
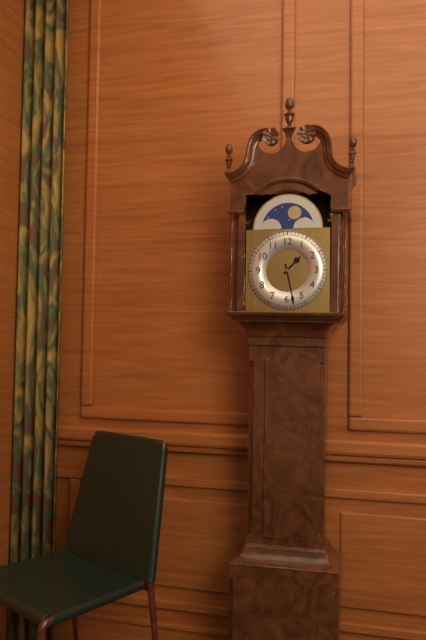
1:28
